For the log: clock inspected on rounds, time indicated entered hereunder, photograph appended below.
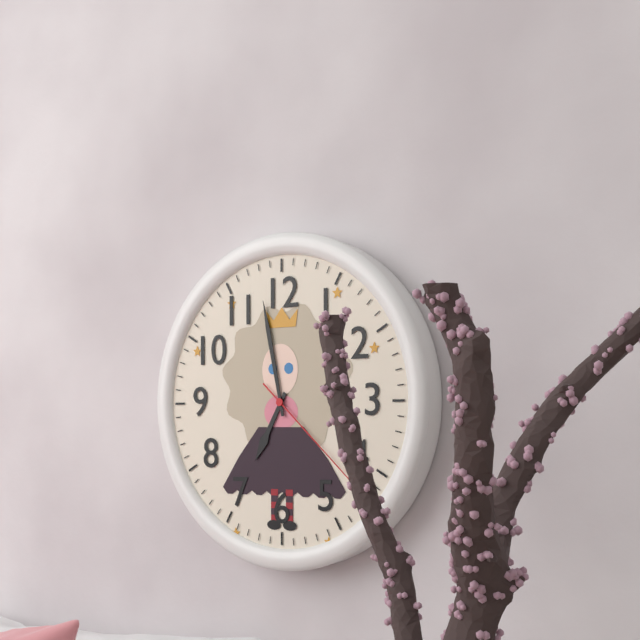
6:58:22
